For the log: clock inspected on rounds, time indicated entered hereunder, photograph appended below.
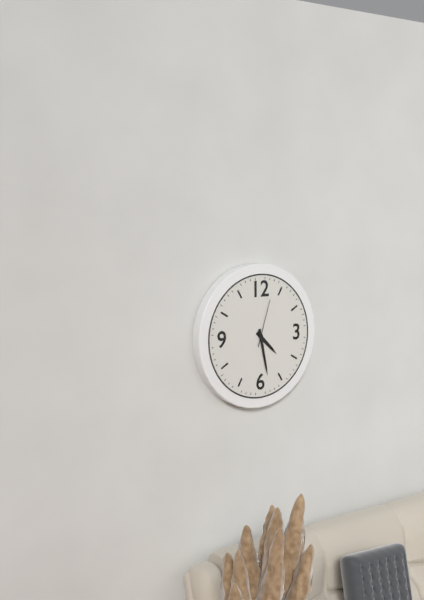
4:28
